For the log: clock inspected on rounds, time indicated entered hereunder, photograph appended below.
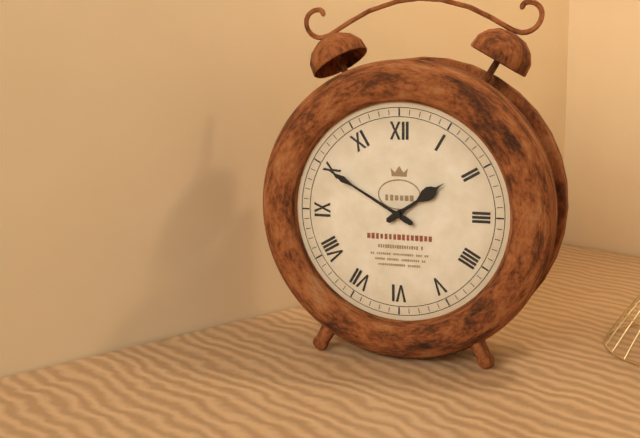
1:50
